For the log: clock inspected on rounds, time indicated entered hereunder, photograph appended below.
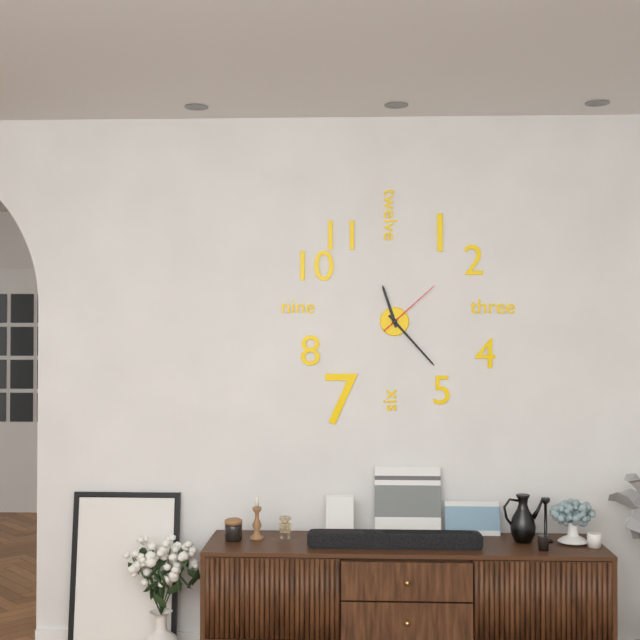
11:23:08
